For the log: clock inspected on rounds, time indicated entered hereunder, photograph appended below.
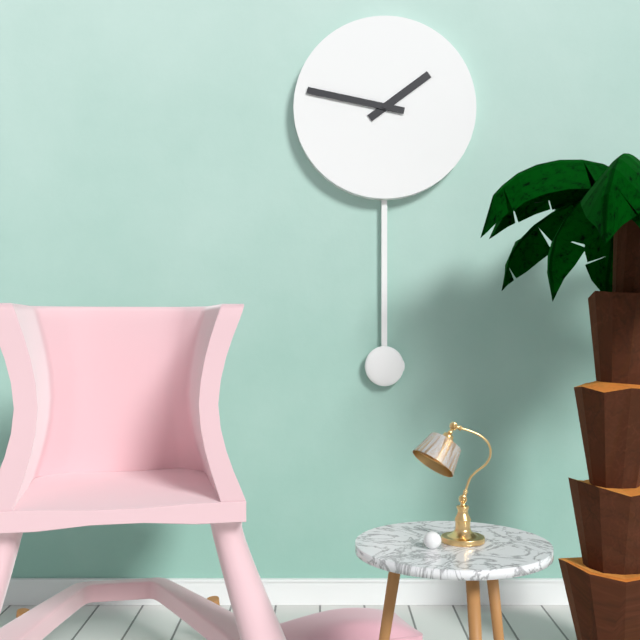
1:47
